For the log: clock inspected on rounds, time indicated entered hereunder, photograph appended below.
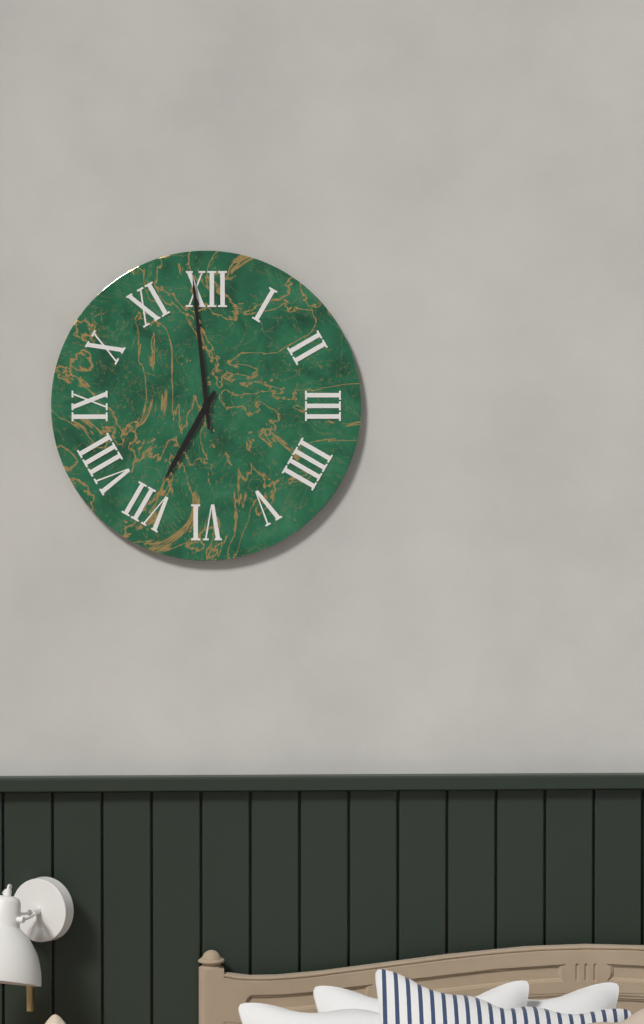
6:59
